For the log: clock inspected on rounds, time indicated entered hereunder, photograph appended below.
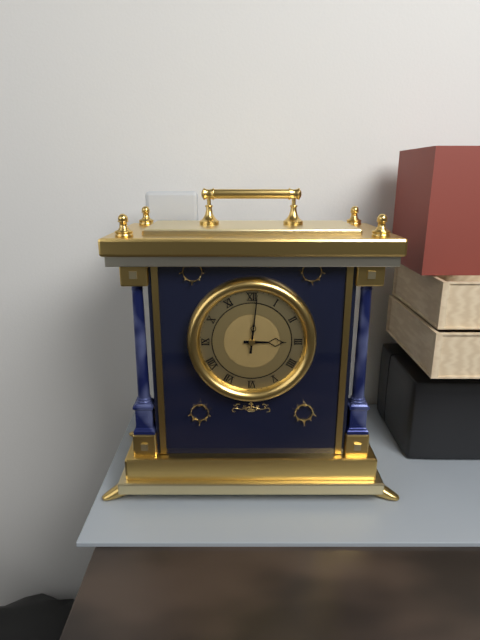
3:01
